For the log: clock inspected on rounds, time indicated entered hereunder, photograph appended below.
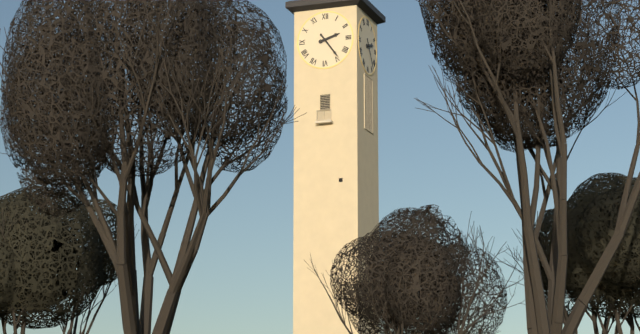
2:24
